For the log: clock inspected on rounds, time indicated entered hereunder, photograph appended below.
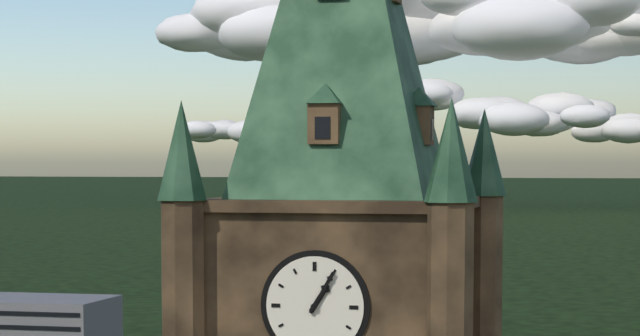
1:05
